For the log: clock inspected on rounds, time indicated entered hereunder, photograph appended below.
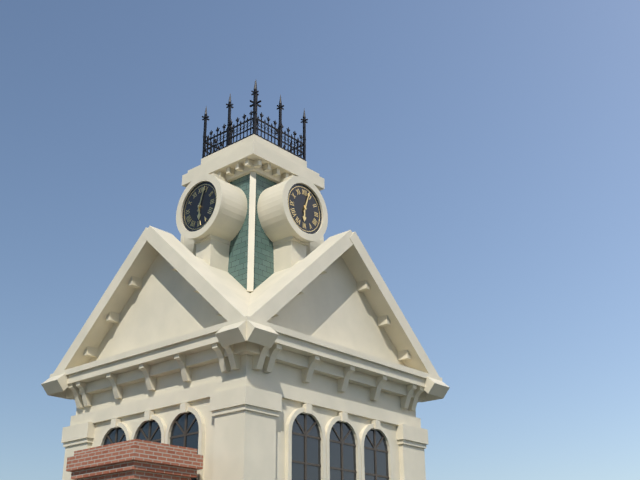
6:03
